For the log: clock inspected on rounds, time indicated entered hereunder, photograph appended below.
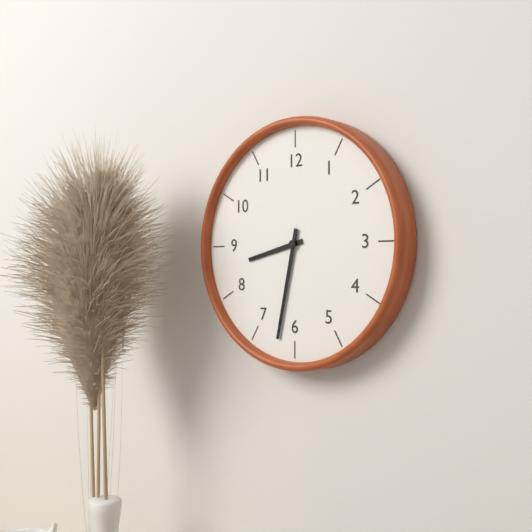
8:32
